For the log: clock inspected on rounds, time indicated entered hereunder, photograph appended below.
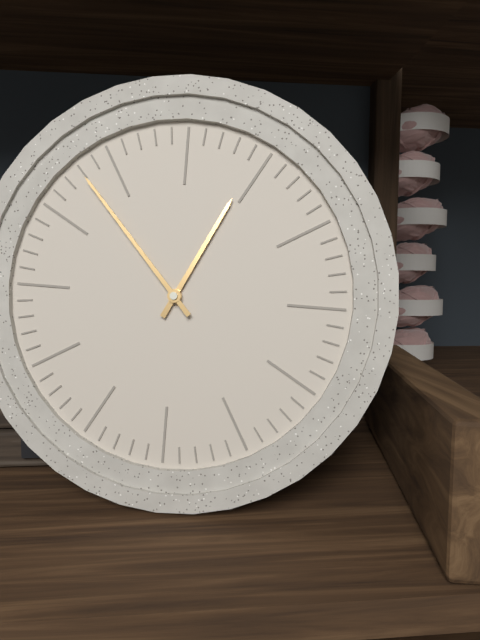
12:53
